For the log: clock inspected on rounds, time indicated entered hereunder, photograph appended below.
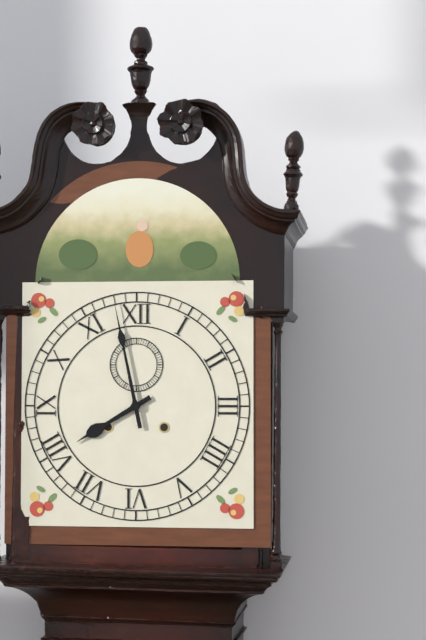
7:58
